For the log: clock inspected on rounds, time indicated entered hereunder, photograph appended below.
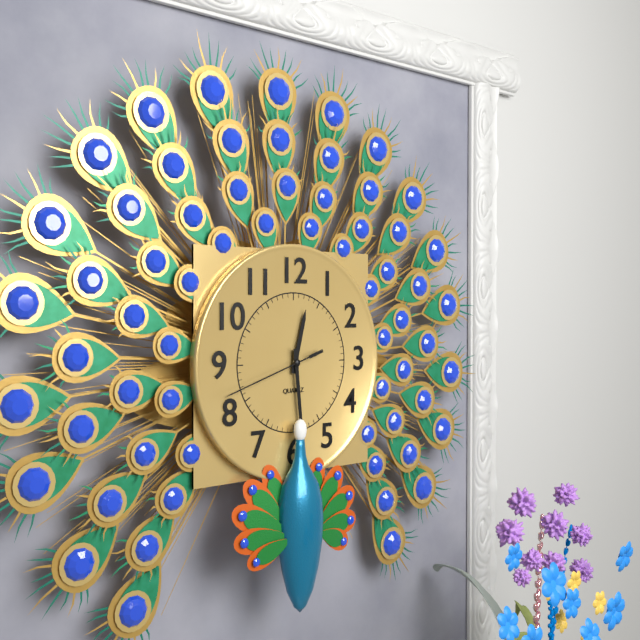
12:29:42
